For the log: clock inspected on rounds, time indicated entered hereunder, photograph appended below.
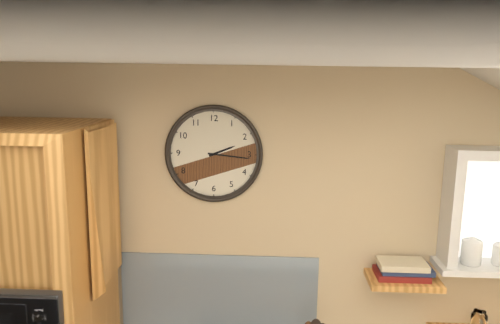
2:16
